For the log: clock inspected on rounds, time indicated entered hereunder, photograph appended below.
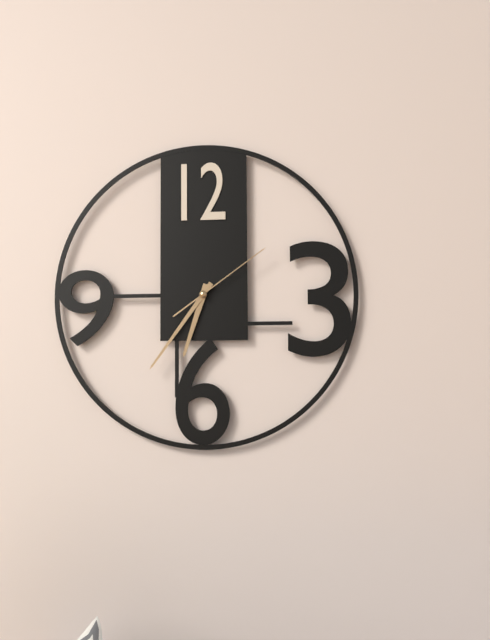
6:36:09
